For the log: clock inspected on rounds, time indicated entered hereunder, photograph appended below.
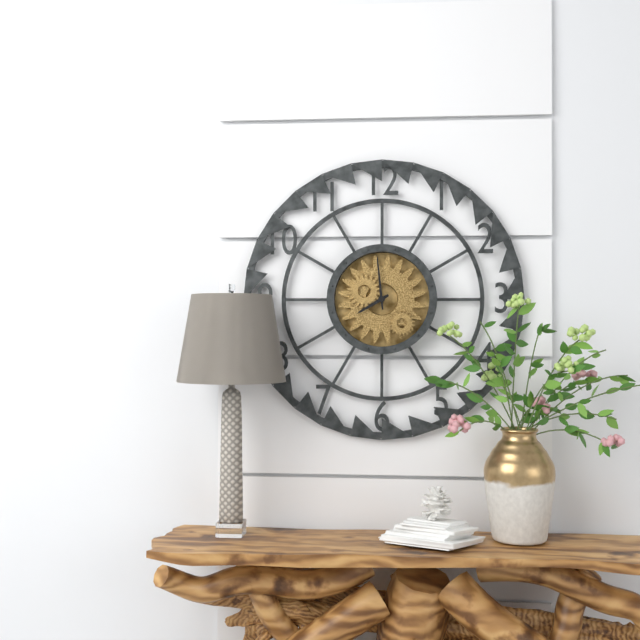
7:59
